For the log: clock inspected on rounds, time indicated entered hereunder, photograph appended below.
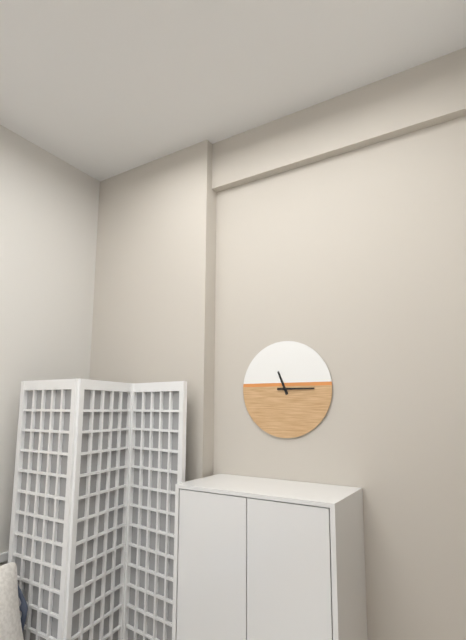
11:15
